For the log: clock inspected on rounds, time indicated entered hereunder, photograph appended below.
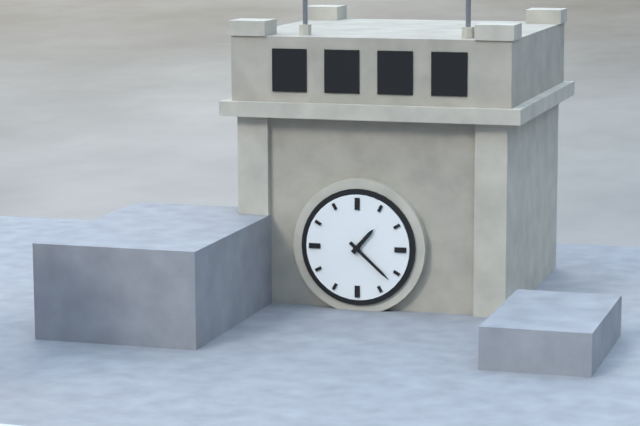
1:22
